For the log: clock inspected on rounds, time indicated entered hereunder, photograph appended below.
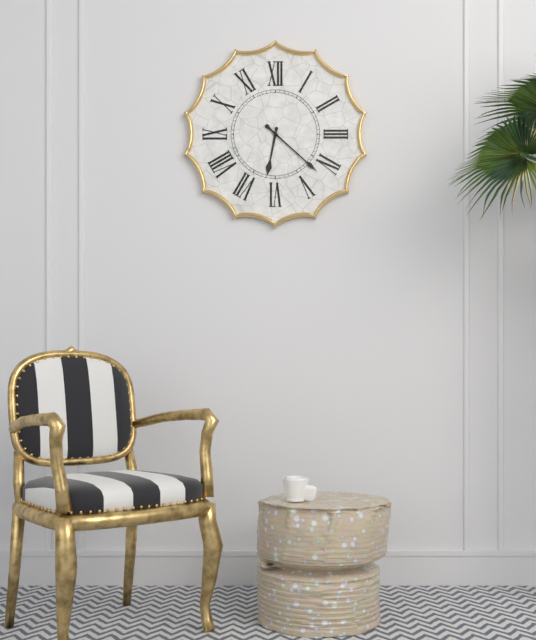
6:22
